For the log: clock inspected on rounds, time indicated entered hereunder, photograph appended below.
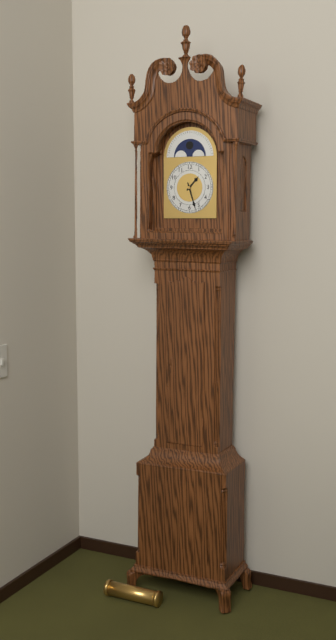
1:27
